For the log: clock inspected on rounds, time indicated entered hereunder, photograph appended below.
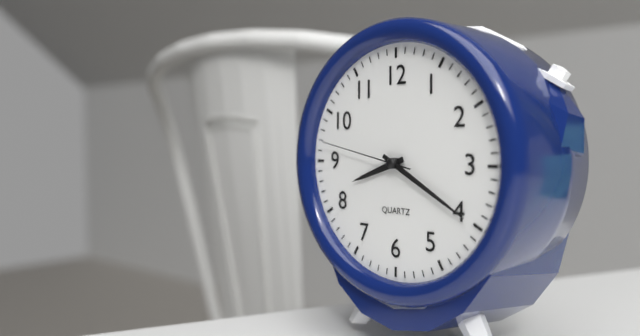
8:20:47
